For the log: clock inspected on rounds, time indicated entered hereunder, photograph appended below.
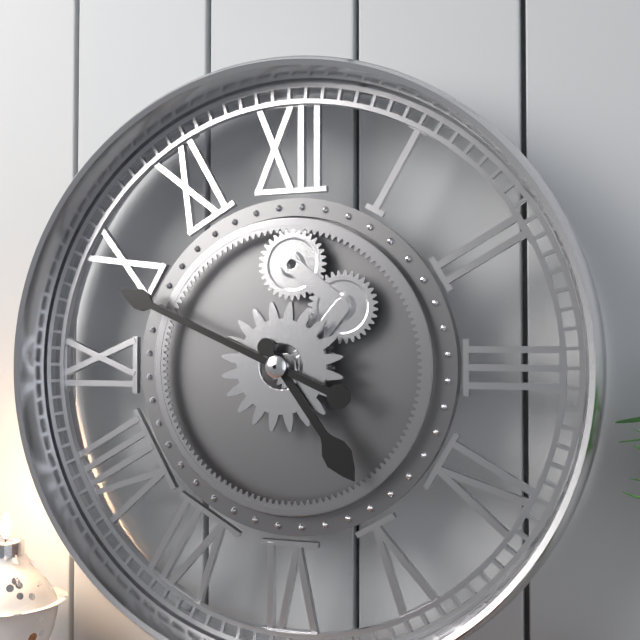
4:49
